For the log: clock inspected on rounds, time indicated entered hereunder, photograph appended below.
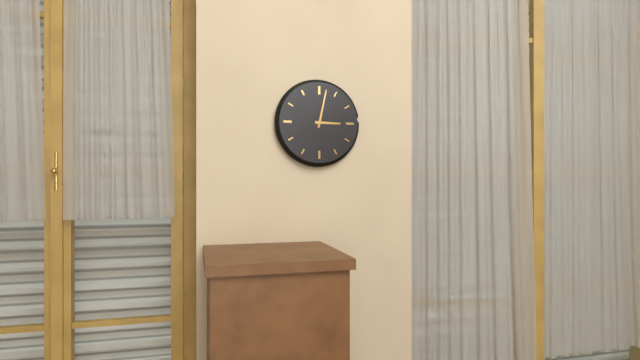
3:02
